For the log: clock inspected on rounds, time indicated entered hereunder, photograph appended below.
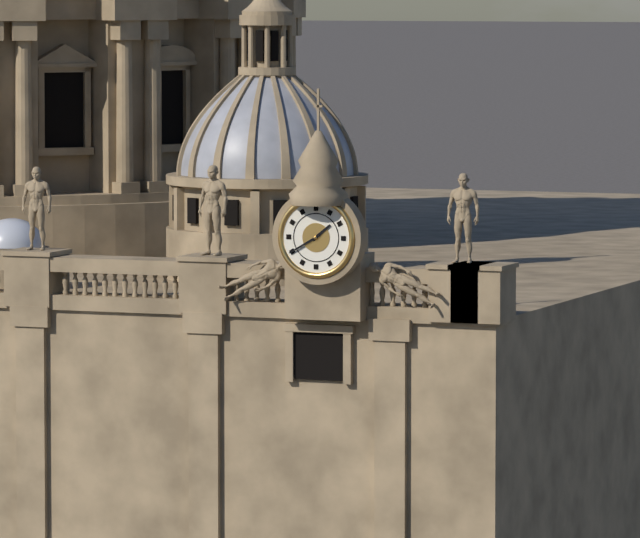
1:40
